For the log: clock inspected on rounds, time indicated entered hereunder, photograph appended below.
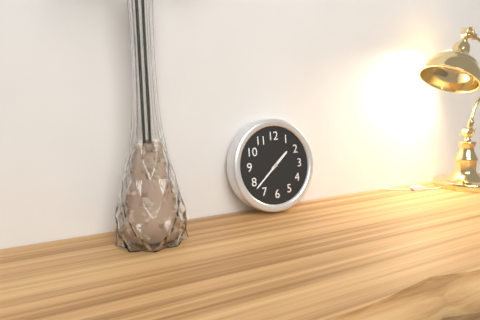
1:38
